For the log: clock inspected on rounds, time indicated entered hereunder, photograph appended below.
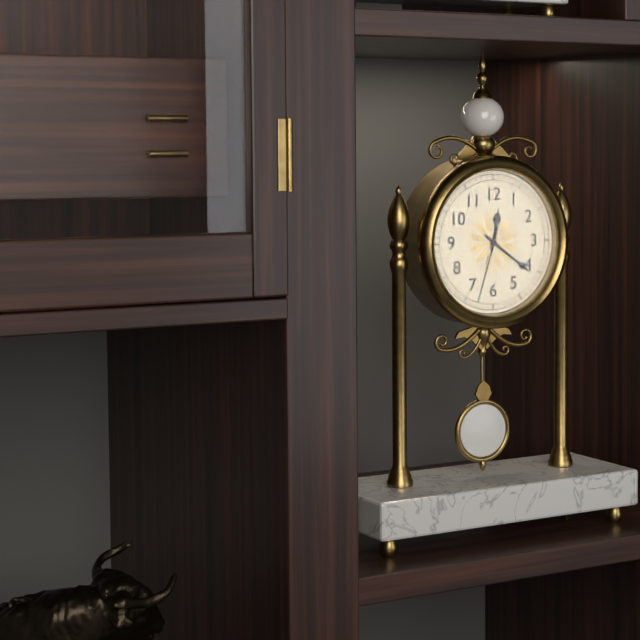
12:21:33
